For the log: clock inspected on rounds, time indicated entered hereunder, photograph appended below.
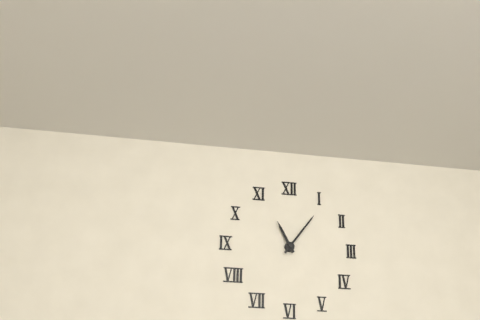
11:06
